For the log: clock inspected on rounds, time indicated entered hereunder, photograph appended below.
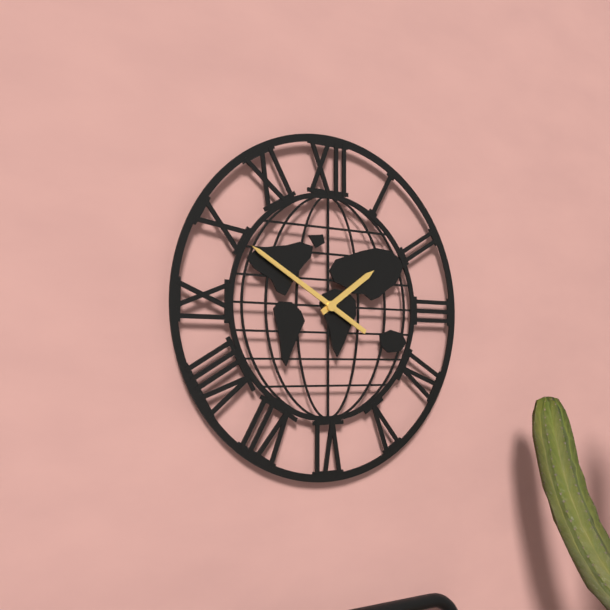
1:50
